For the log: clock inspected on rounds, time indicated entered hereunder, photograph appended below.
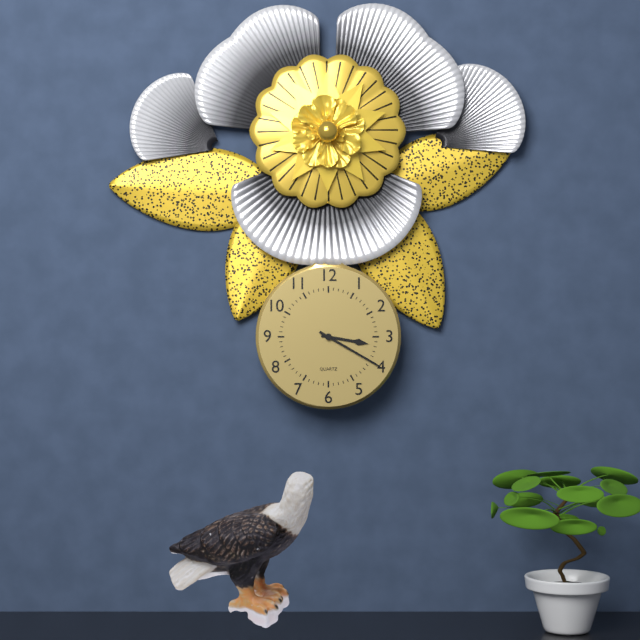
3:20
